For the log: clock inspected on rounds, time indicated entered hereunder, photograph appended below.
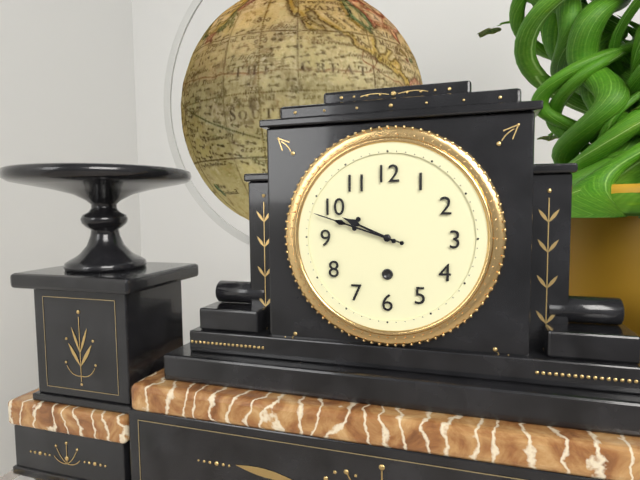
9:48
